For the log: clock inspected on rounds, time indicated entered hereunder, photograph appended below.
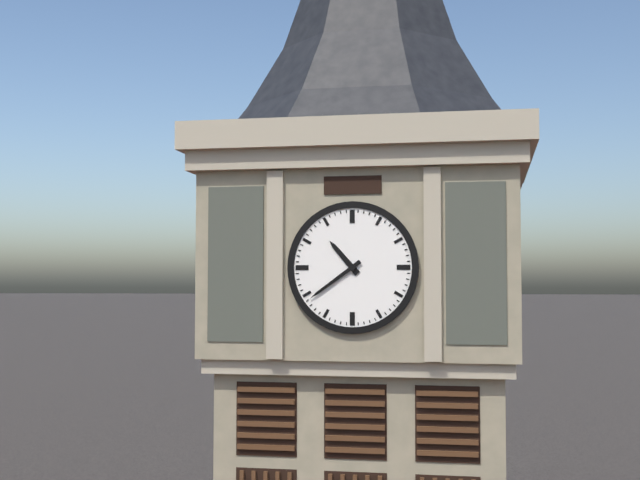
10:39
